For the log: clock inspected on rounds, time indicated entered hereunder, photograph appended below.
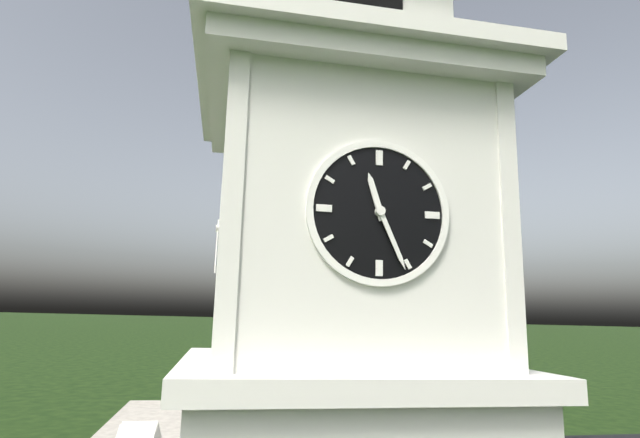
11:26
